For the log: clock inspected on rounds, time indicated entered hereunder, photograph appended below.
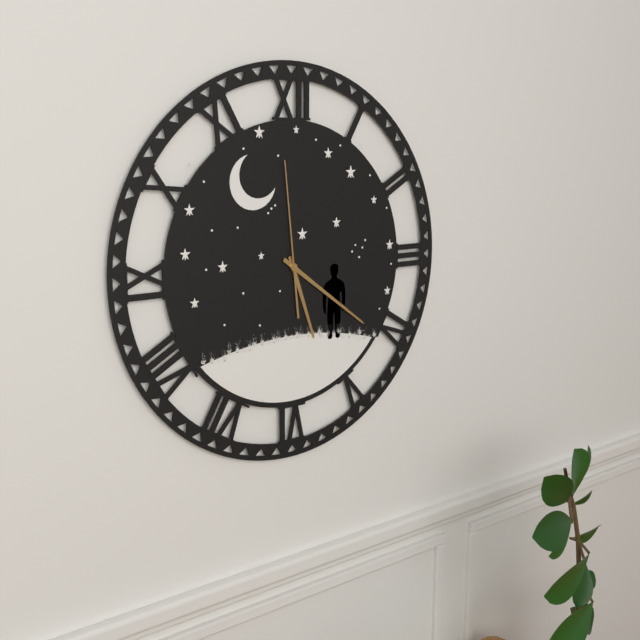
5:21:59
